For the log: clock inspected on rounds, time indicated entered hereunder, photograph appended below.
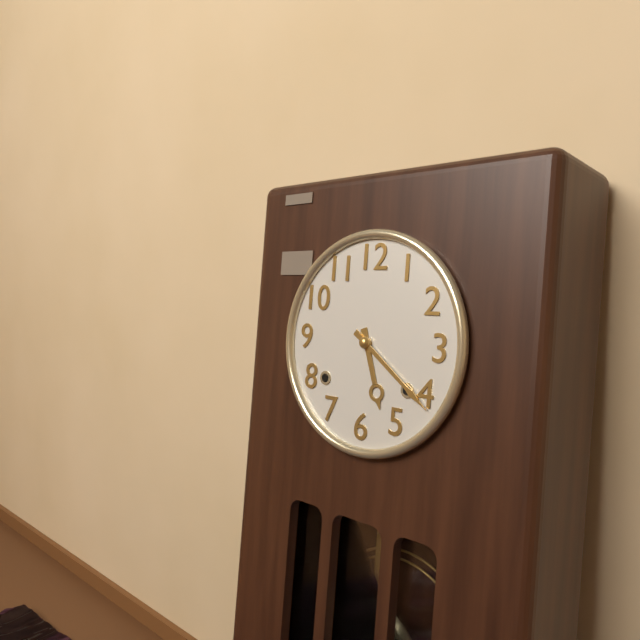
5:21
